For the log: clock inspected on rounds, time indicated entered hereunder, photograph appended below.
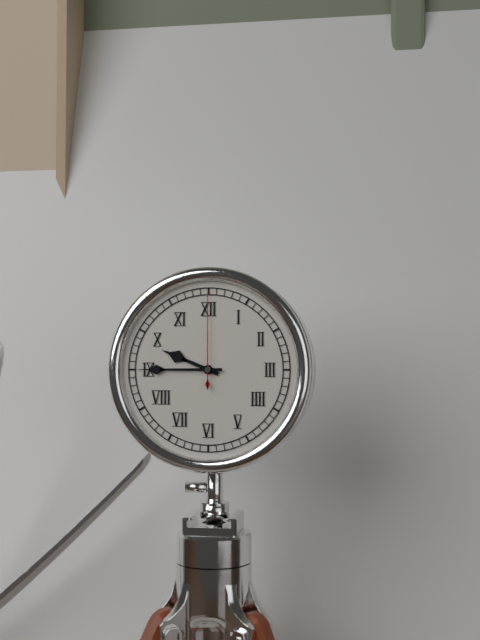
9:45:00
